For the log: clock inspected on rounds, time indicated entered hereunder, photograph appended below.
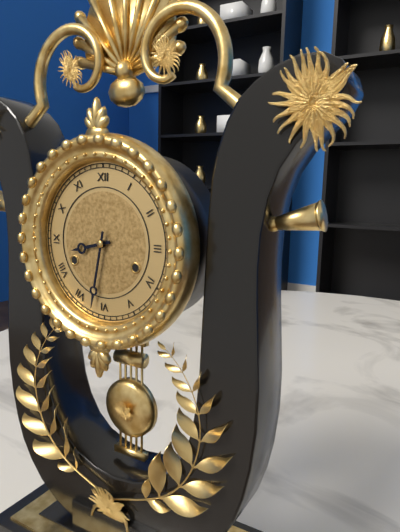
8:32
